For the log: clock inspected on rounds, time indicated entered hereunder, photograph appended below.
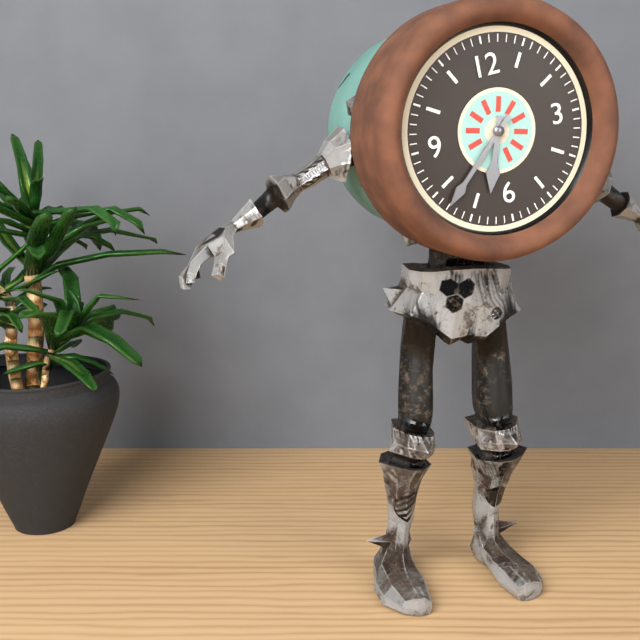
6:38
